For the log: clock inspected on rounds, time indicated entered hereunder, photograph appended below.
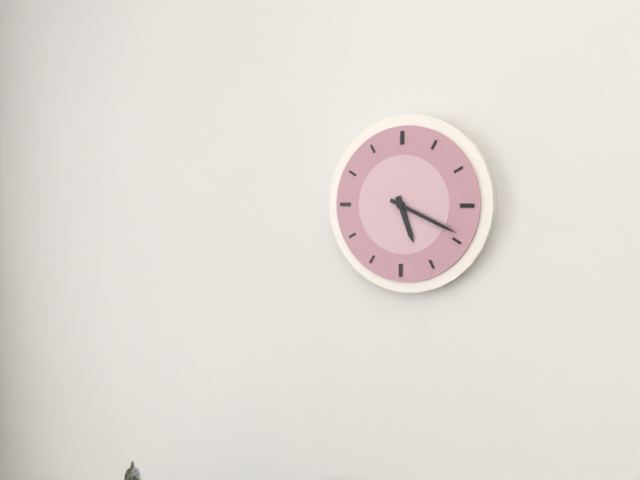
5:19
